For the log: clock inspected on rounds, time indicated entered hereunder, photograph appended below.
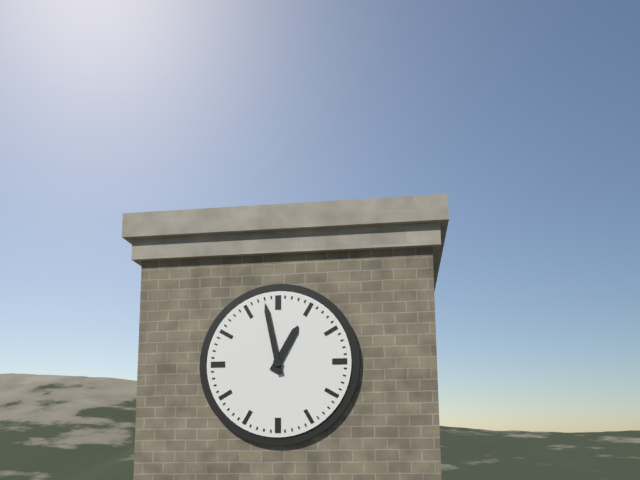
12:58
